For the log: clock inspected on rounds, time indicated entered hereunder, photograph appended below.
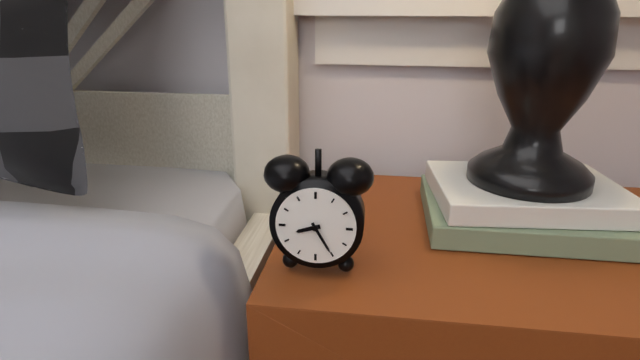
8:25
